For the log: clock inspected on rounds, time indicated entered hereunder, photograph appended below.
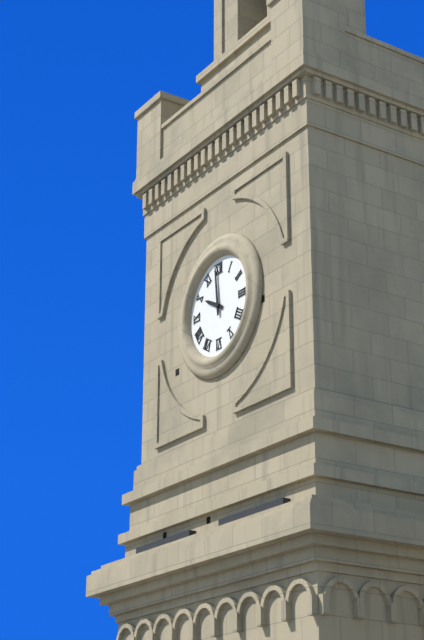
9:59
